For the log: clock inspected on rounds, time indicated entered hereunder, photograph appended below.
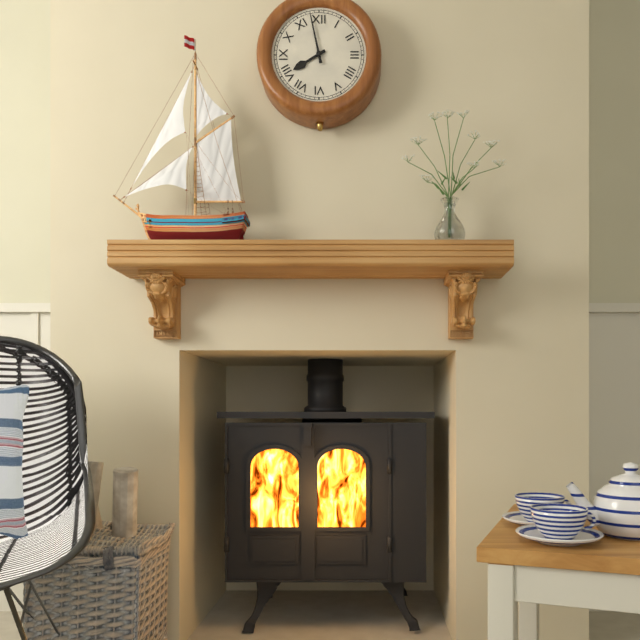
7:58
